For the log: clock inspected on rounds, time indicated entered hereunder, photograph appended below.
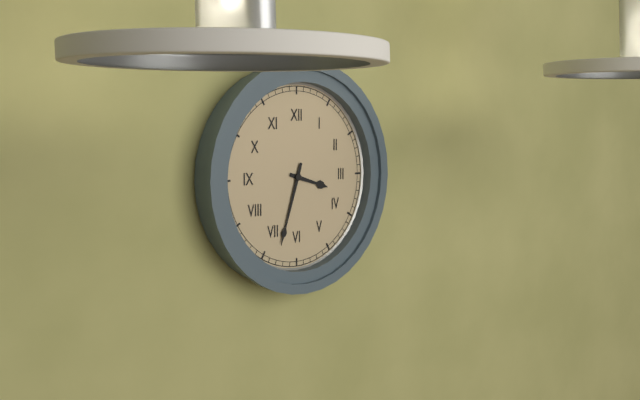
3:33
